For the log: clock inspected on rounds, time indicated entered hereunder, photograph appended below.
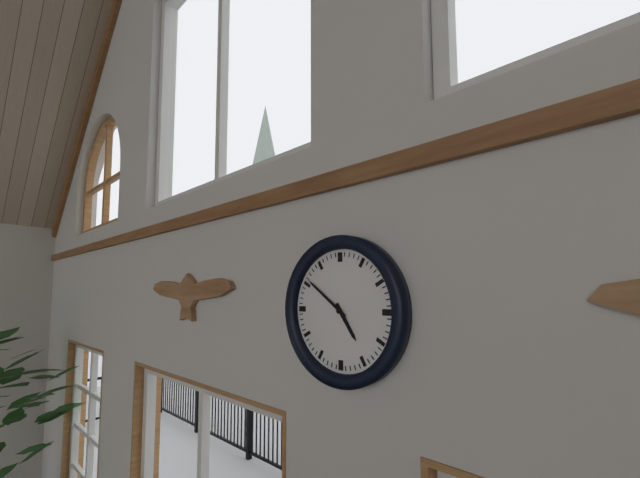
4:51
